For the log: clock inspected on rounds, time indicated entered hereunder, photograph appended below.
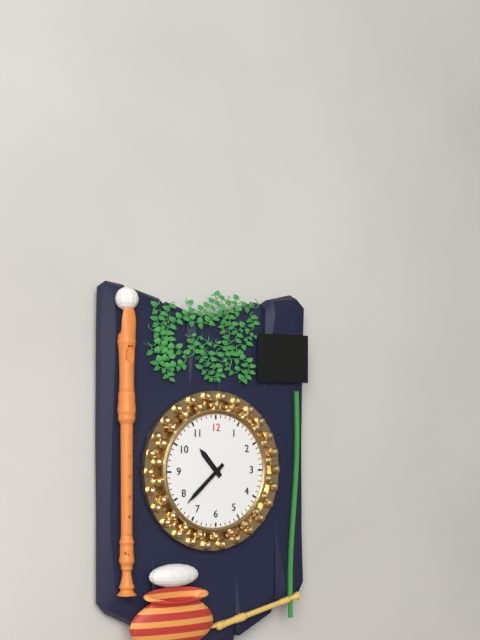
10:38
